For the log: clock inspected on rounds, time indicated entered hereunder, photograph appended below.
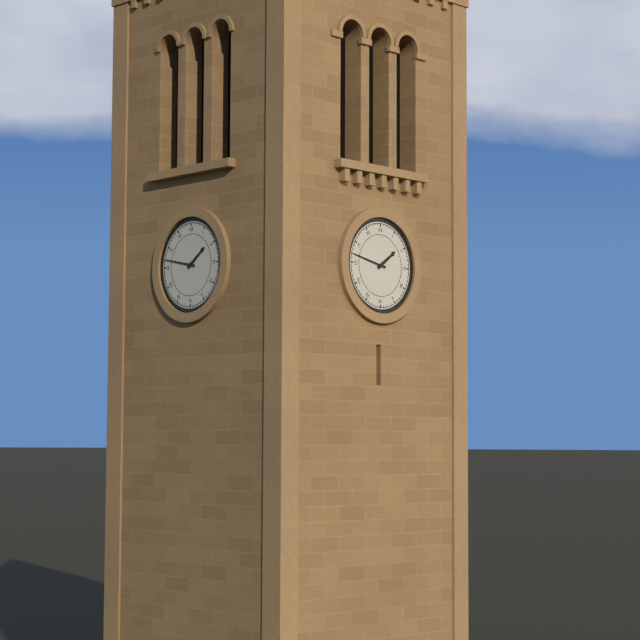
1:47
